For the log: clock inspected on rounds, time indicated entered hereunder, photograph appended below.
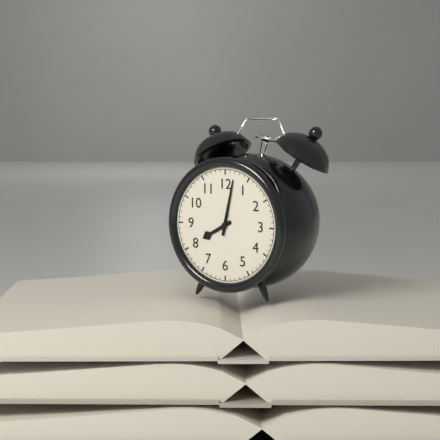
8:02
